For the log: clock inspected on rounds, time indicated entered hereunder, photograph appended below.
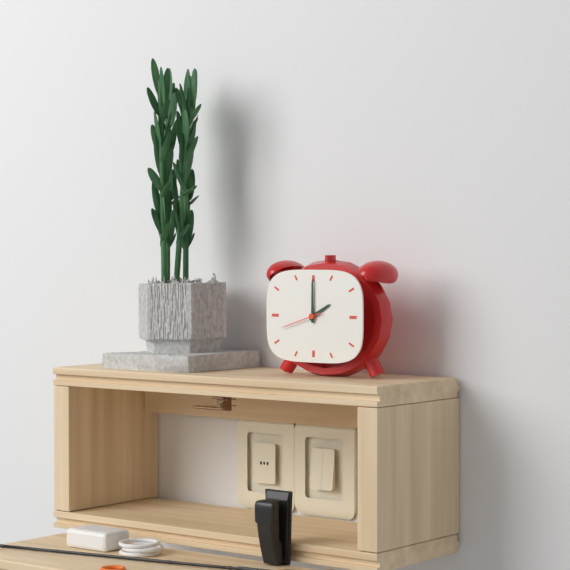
2:00
